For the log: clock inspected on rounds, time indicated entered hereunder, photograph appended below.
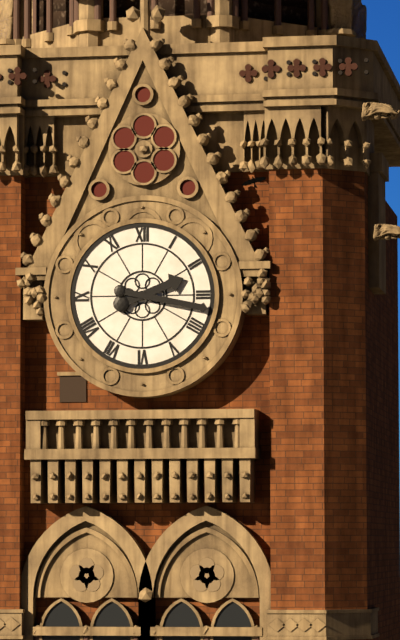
2:17
